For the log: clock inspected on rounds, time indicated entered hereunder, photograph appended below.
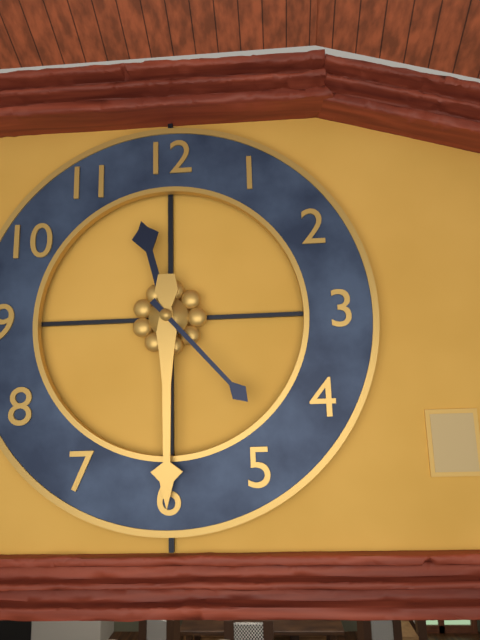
11:30:23
